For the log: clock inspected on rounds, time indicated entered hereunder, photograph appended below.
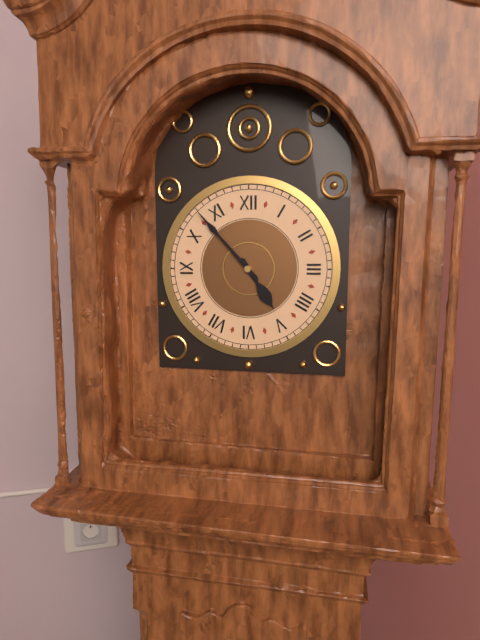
4:53
